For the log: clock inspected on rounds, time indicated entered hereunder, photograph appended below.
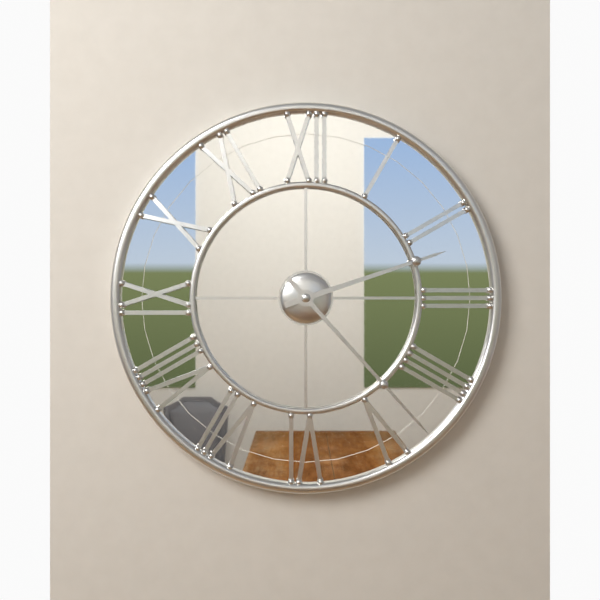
2:23
